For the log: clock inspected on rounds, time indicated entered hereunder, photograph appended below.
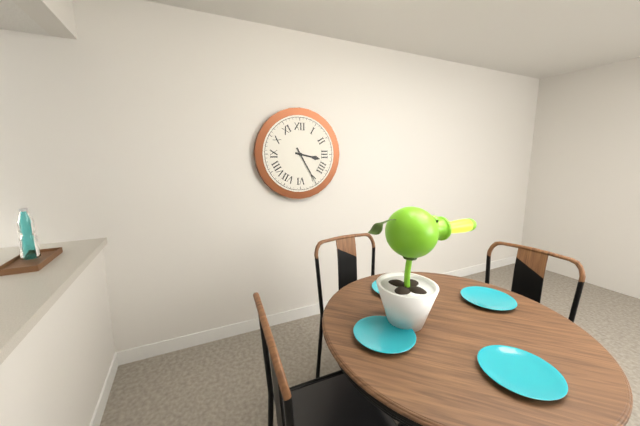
3:25
